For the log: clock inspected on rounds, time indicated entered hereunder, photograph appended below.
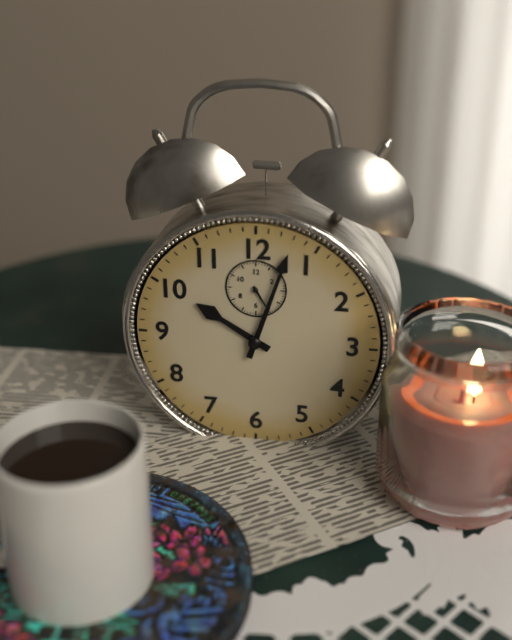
10:03
